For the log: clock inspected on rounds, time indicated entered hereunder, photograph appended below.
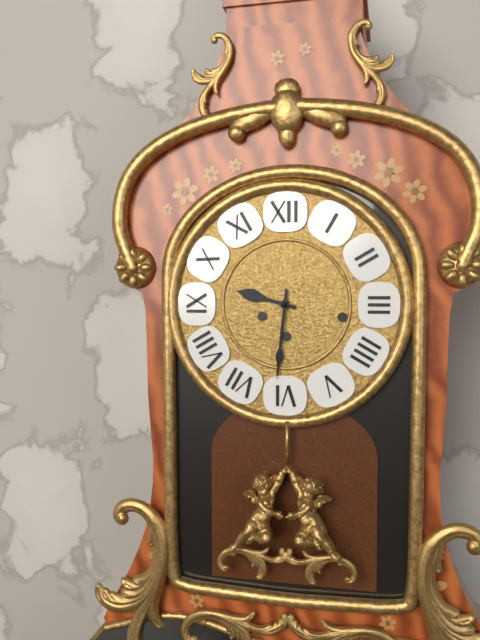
9:31
